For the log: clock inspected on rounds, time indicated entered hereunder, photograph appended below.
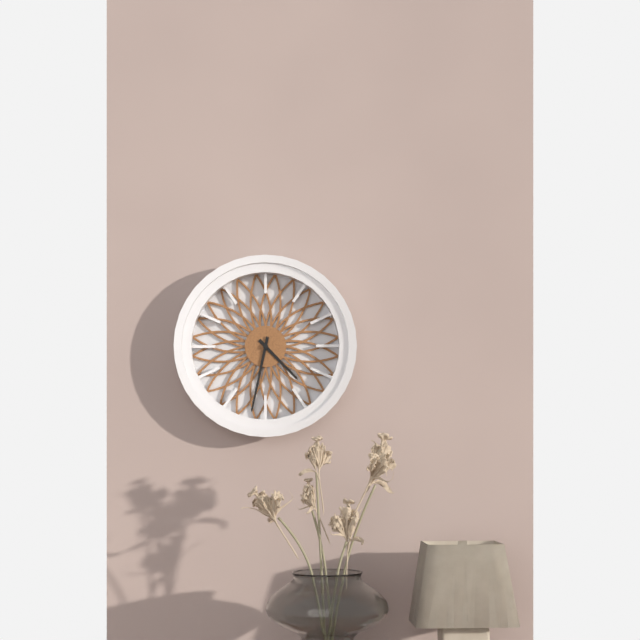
4:32
